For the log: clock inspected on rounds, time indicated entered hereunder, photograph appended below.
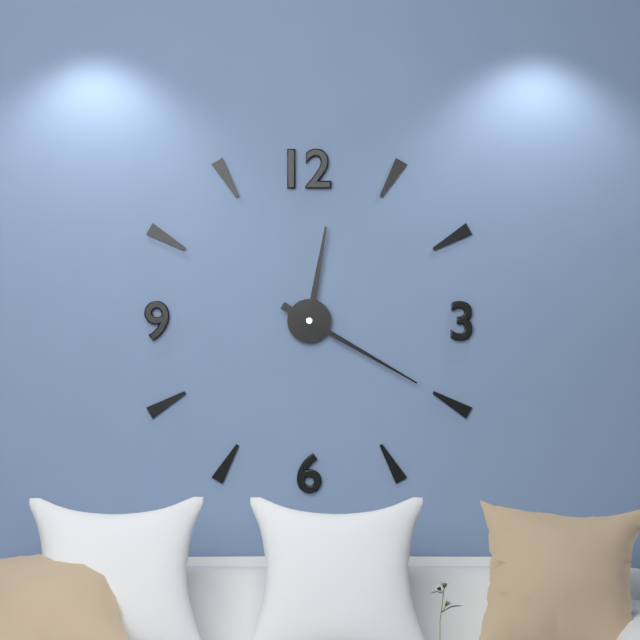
12:20
